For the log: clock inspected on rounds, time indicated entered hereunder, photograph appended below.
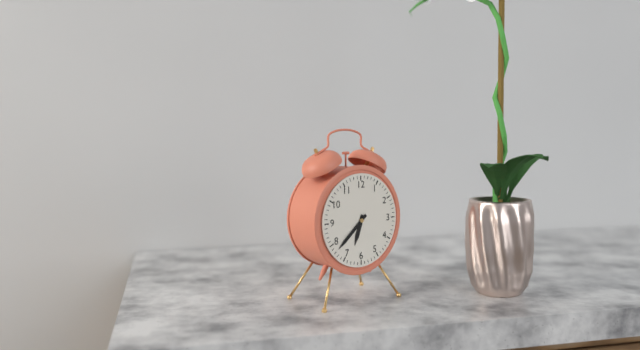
6:38
